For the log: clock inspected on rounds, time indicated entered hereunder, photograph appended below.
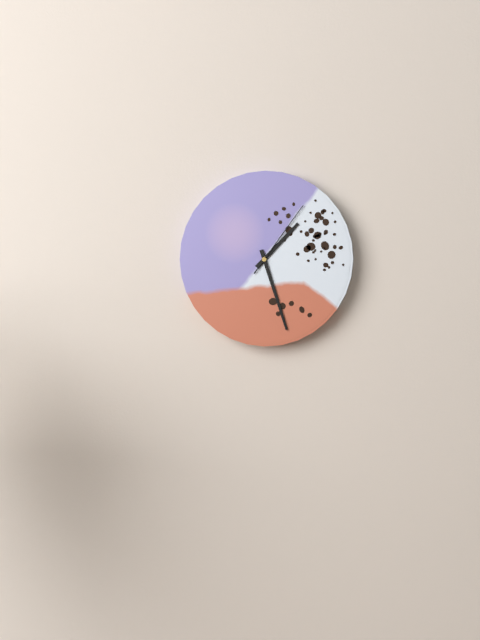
1:27:06
